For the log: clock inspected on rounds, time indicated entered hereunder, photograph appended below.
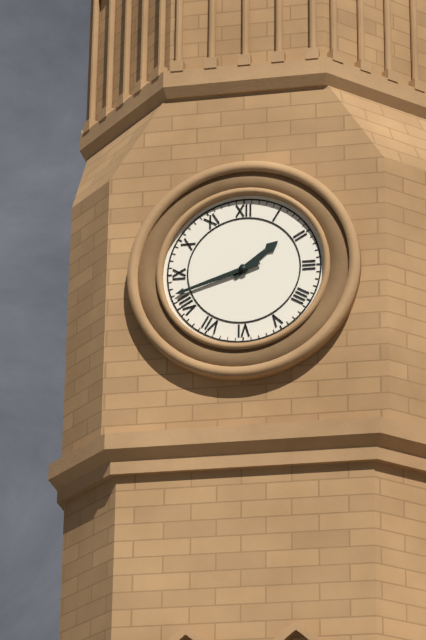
1:42
